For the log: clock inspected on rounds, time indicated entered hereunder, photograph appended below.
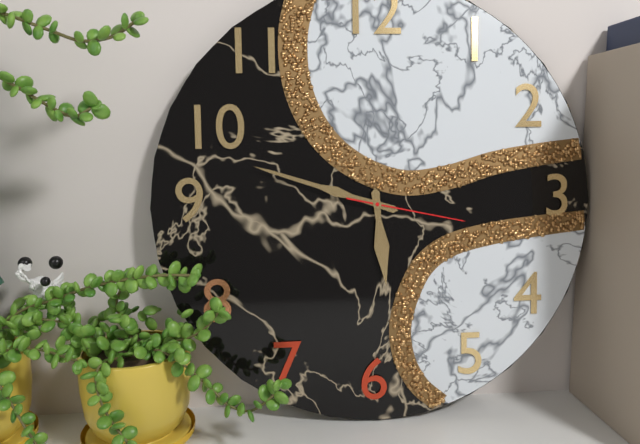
5:48:17
